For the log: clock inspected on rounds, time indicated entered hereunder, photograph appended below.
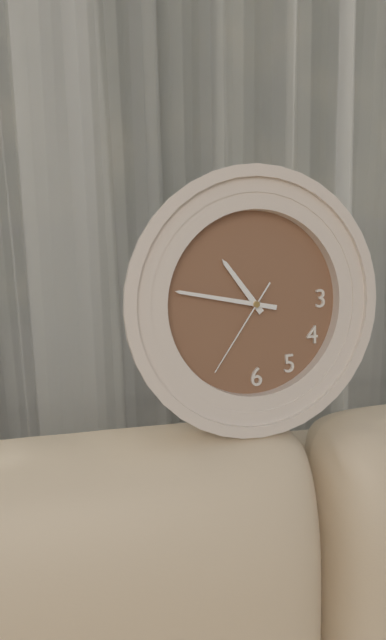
10:47:36
